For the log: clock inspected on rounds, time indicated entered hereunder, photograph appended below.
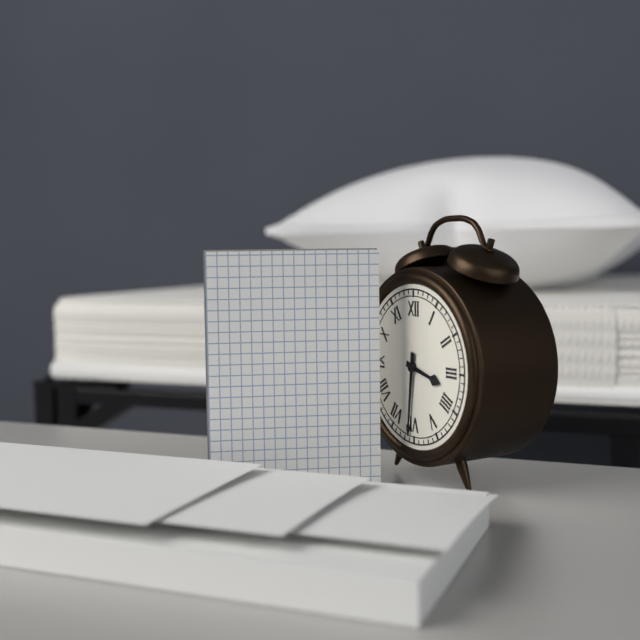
3:31
